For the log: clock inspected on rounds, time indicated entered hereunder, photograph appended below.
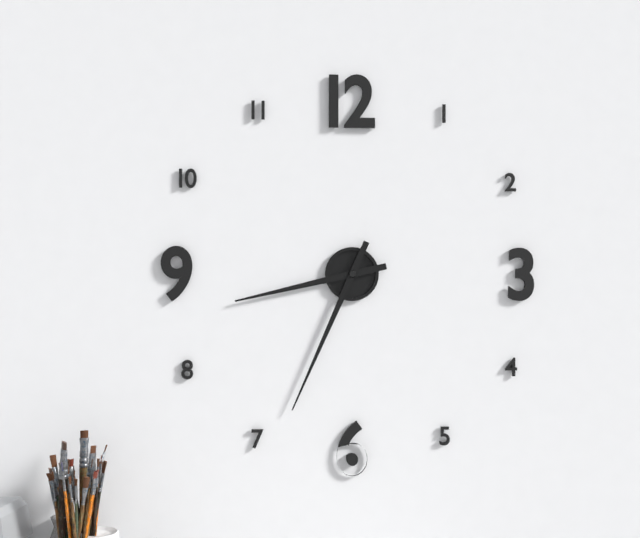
8:34
